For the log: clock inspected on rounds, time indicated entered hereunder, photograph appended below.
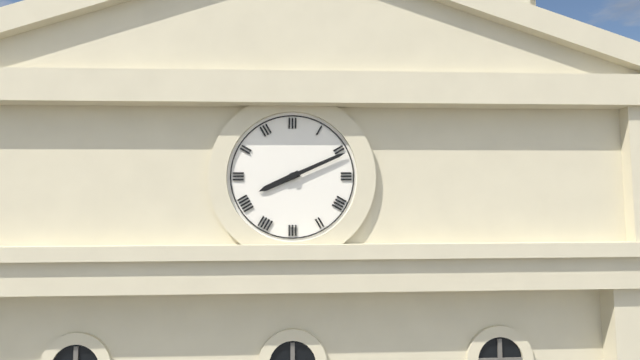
8:11
